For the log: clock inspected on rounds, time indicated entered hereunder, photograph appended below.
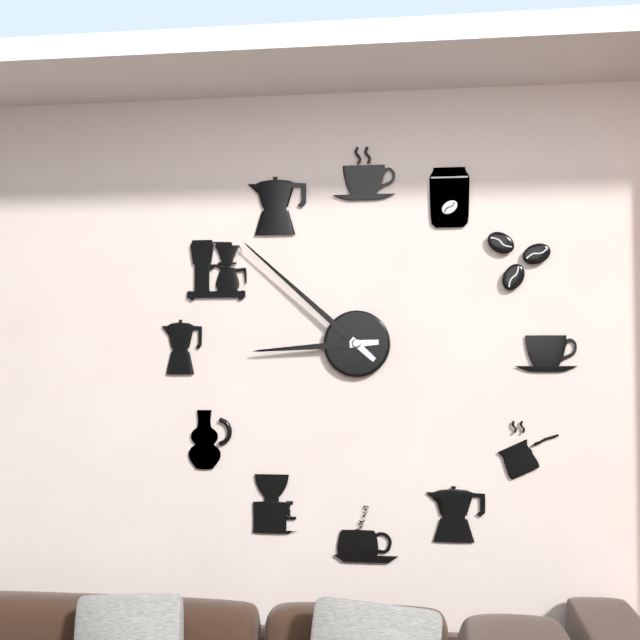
8:52
